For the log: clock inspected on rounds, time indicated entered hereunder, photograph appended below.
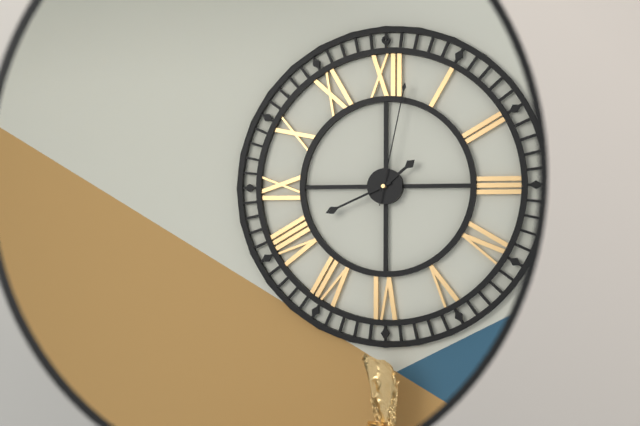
1:41:02
